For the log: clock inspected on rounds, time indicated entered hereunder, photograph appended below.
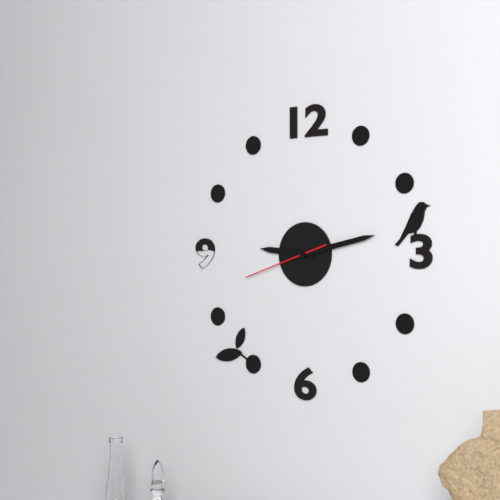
9:13:42
